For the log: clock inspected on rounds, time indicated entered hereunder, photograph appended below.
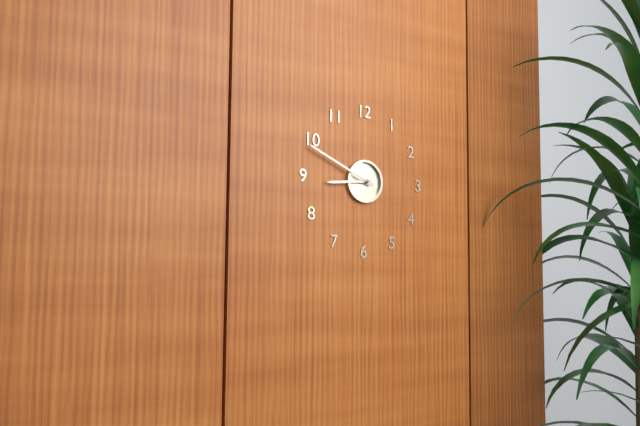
8:49
